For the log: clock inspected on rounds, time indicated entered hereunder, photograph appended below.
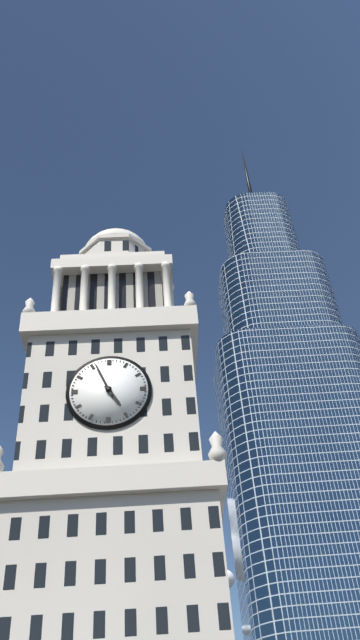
4:56
